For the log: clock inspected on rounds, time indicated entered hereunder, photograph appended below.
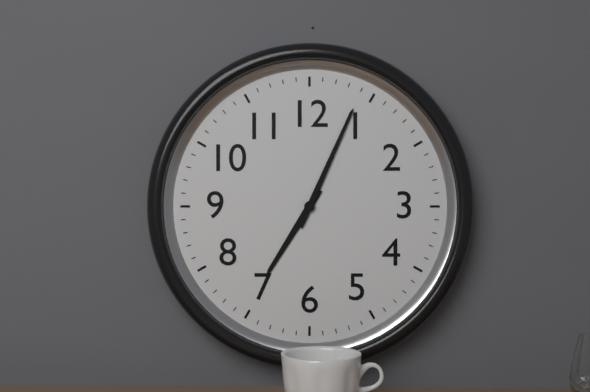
7:04
